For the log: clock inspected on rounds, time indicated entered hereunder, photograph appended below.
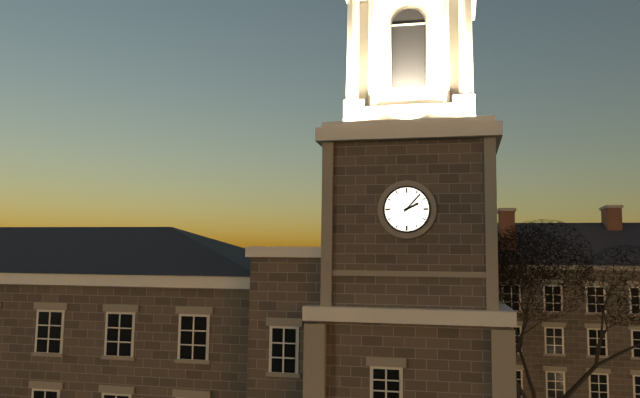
2:07
